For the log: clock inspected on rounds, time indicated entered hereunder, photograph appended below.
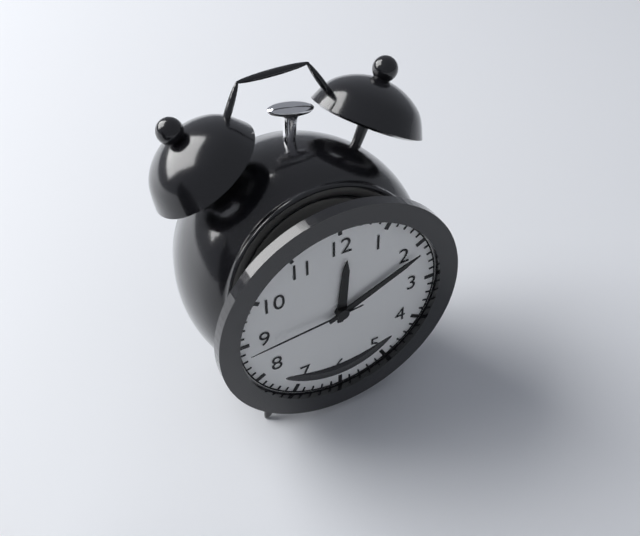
12:11:44
